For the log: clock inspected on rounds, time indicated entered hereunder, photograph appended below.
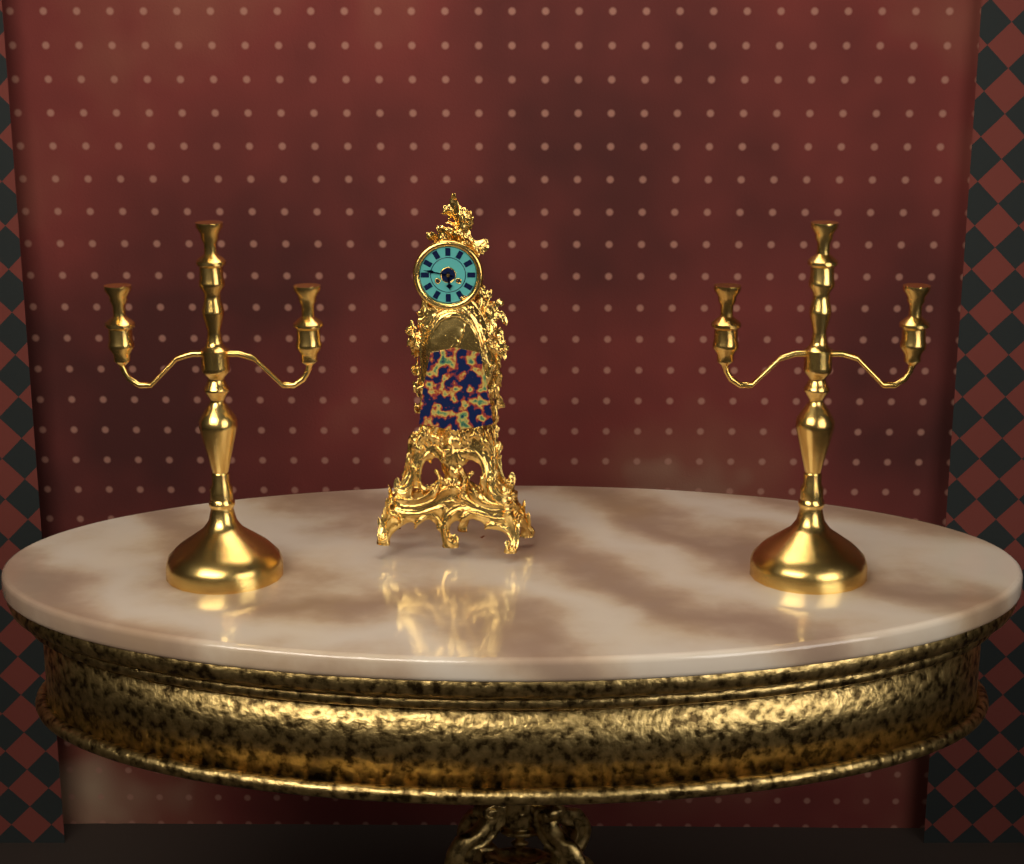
5:47
